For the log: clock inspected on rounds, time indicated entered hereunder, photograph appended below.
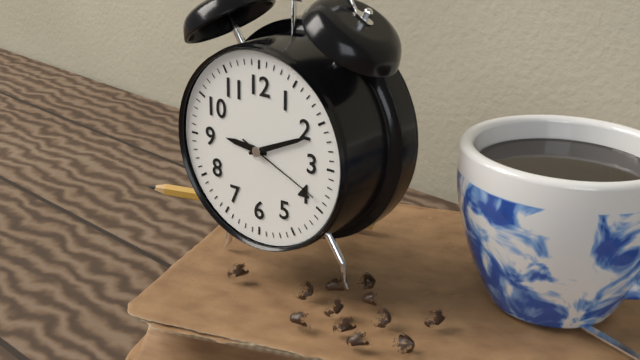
9:11:19
